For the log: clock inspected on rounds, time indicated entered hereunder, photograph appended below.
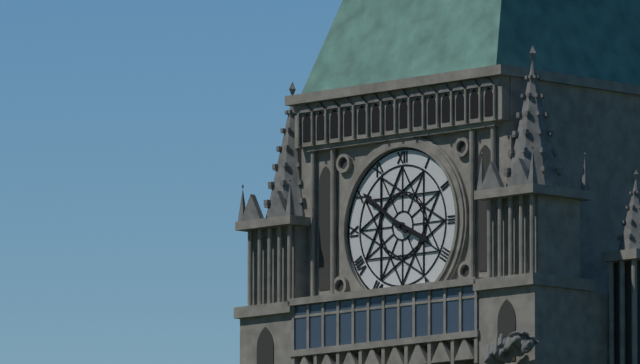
3:51
